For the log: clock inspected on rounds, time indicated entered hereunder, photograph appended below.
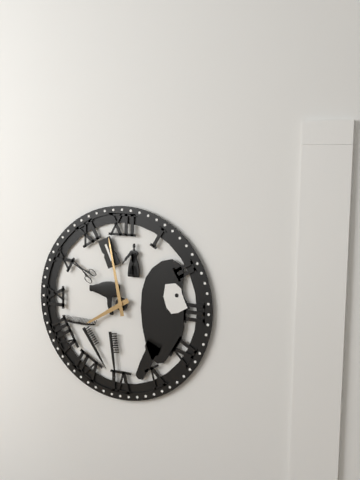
7:58
